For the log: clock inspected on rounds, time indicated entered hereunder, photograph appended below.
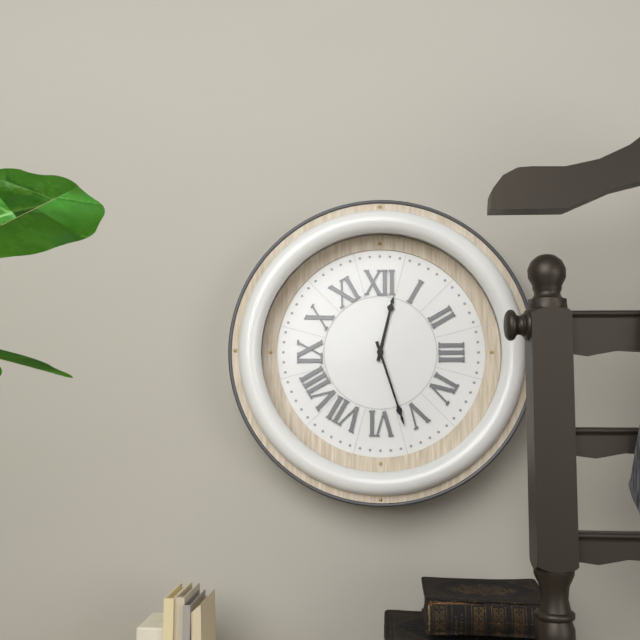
12:27
